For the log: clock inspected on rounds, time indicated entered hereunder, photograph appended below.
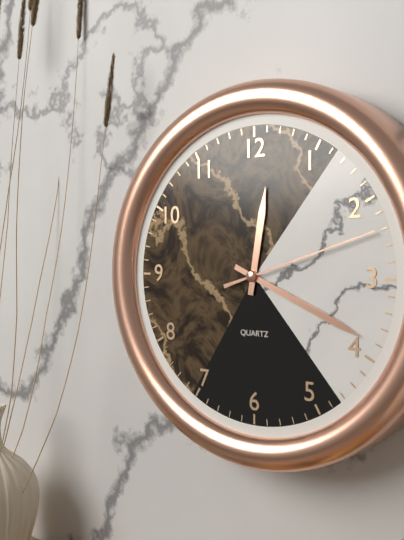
12:19:12
